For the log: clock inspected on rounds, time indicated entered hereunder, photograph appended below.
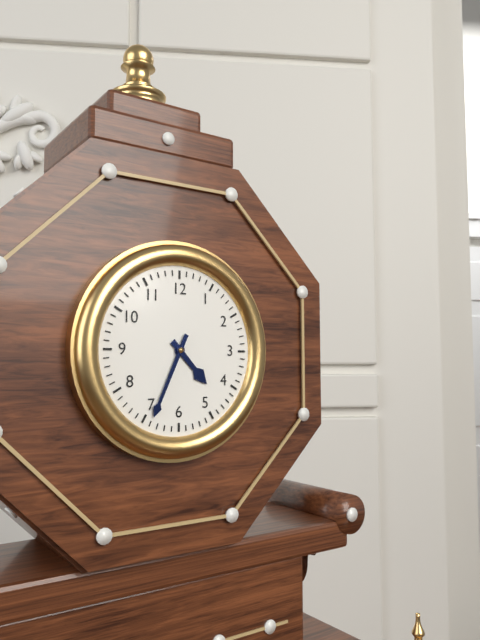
4:34
